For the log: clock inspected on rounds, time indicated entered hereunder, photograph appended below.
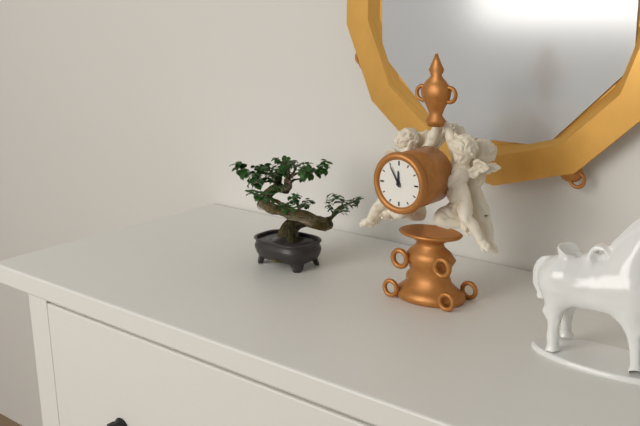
11:55
